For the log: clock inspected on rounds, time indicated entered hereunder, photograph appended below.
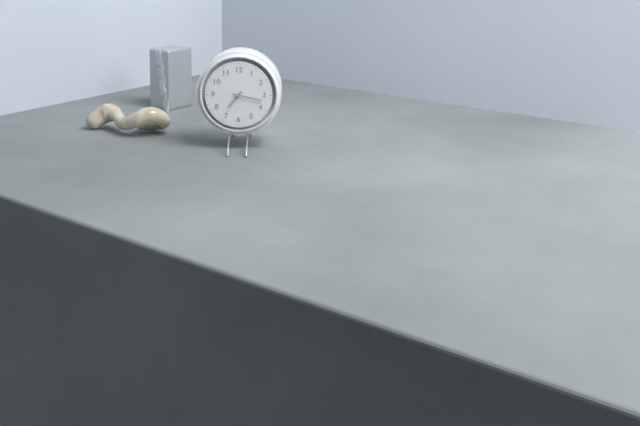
7:17
